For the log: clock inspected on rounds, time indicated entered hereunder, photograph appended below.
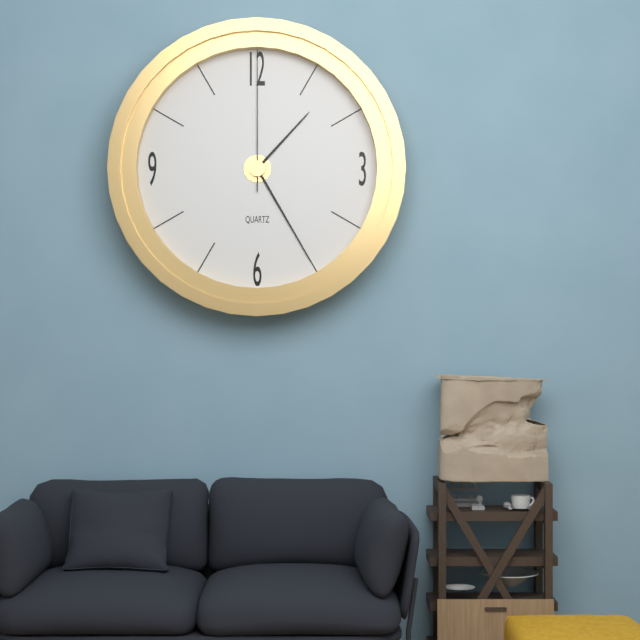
1:25:00
